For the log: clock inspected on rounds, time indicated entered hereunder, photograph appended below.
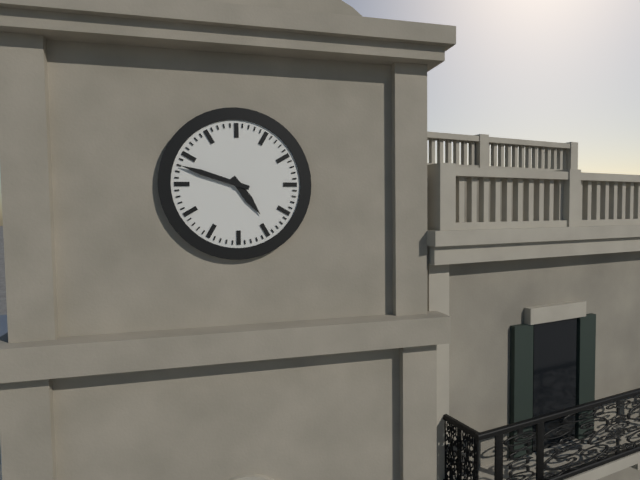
4:48
